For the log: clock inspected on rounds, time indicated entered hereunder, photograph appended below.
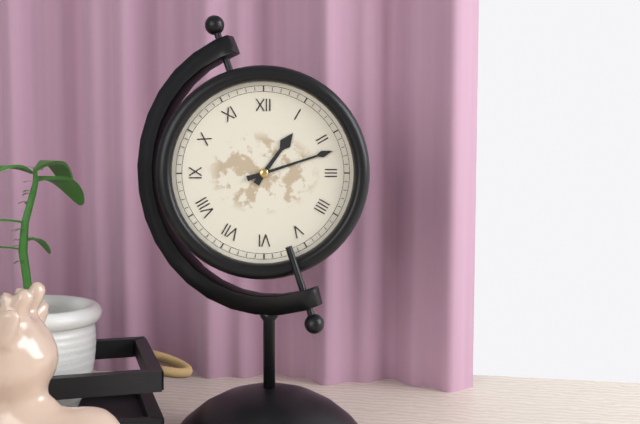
1:12
